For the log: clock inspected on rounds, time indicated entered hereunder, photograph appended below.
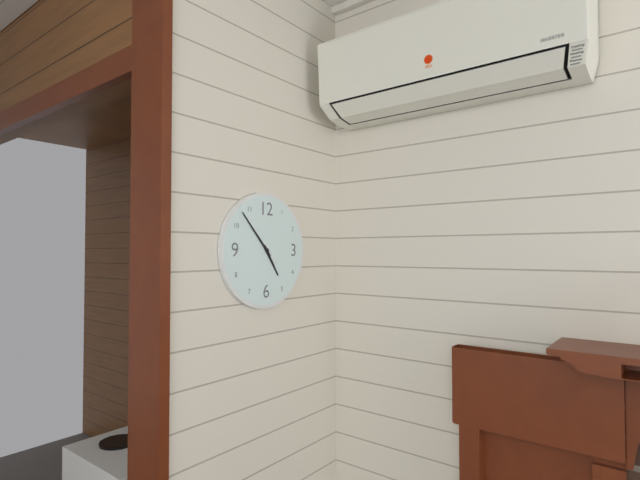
4:53
